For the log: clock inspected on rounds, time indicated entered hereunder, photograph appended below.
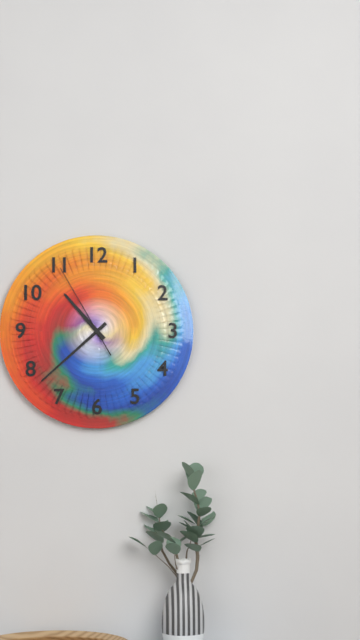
10:38:55
